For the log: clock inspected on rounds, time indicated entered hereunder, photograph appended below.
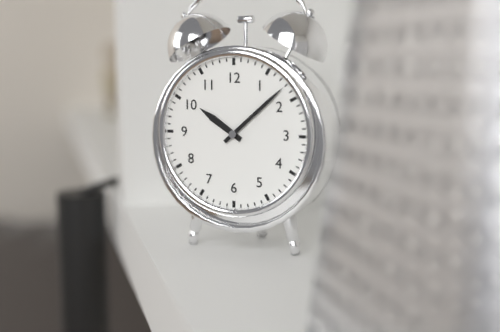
10:08
